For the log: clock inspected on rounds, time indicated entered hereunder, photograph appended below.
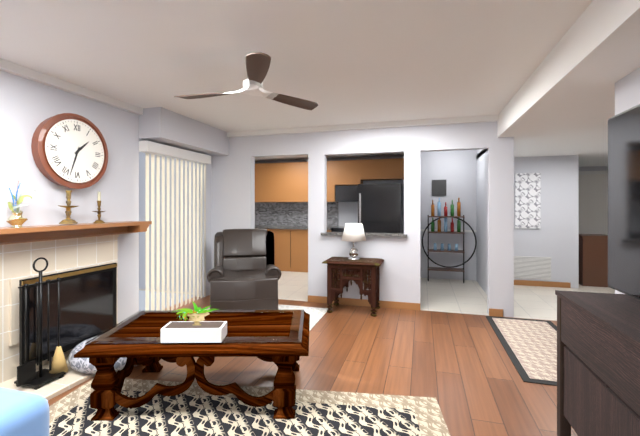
1:33
